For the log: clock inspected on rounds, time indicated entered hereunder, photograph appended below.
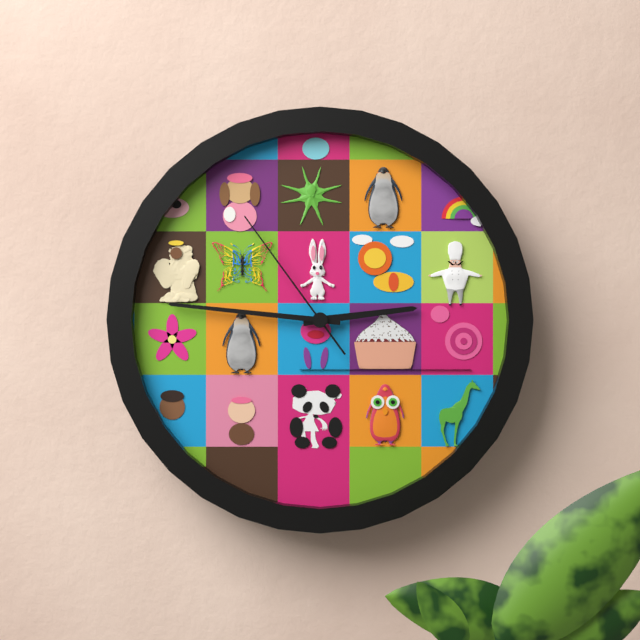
2:46:54
